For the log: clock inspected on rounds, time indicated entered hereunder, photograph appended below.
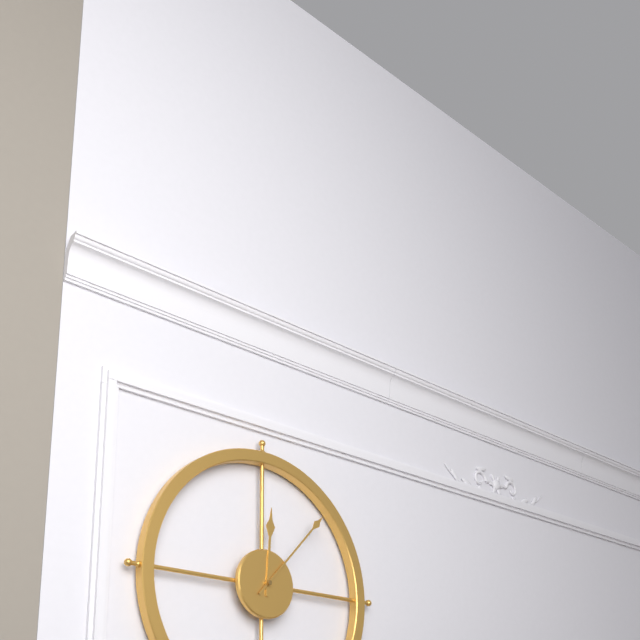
12:07
